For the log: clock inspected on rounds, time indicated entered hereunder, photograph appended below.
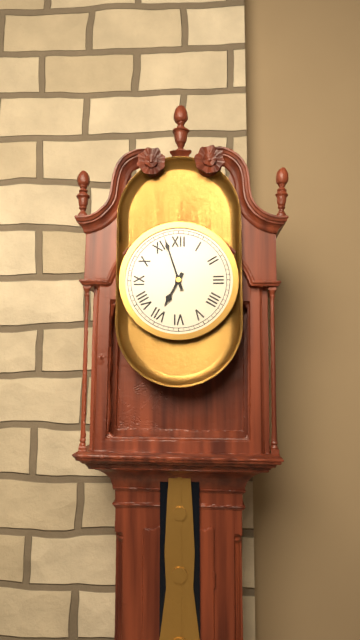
6:57
